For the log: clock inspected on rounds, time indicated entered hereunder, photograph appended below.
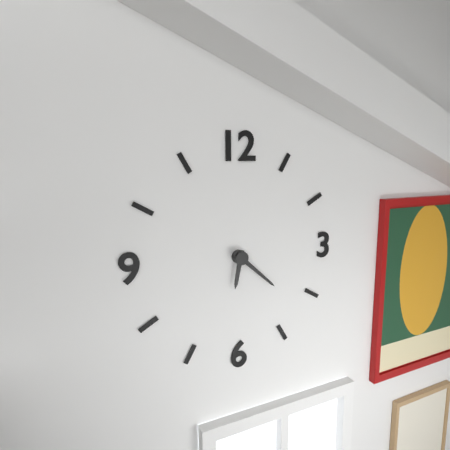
6:22
